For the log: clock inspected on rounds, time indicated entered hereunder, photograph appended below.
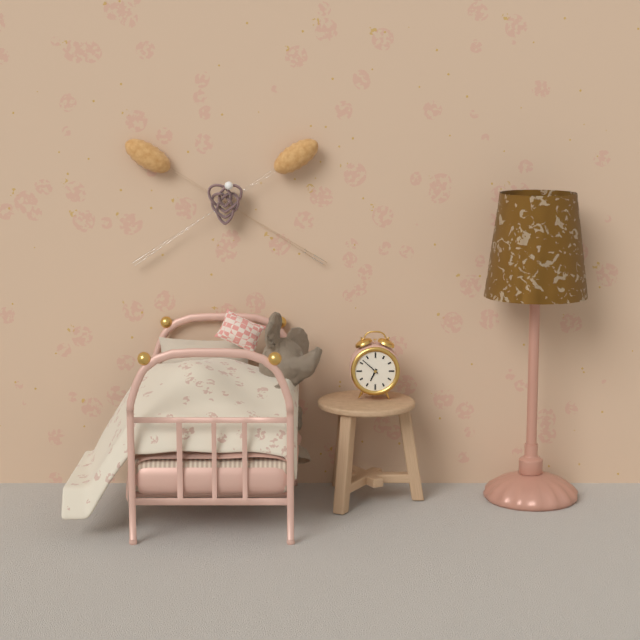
6:52
